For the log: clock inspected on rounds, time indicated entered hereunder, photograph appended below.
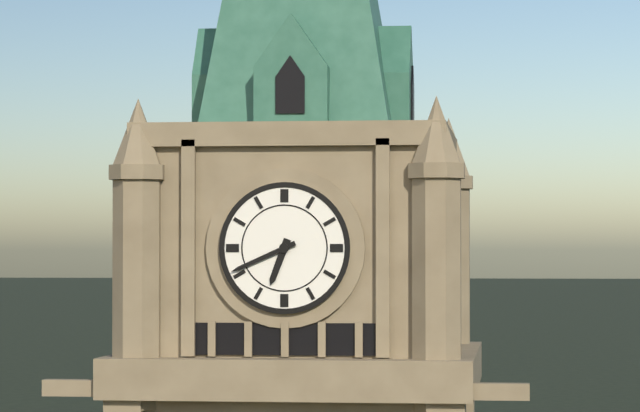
6:41
